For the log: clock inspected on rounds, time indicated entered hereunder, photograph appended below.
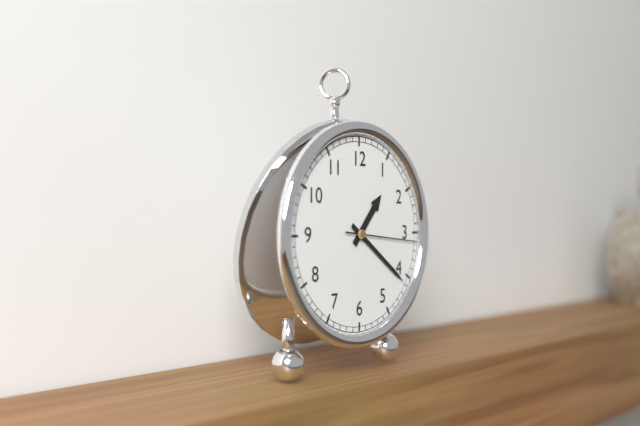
1:21:16
